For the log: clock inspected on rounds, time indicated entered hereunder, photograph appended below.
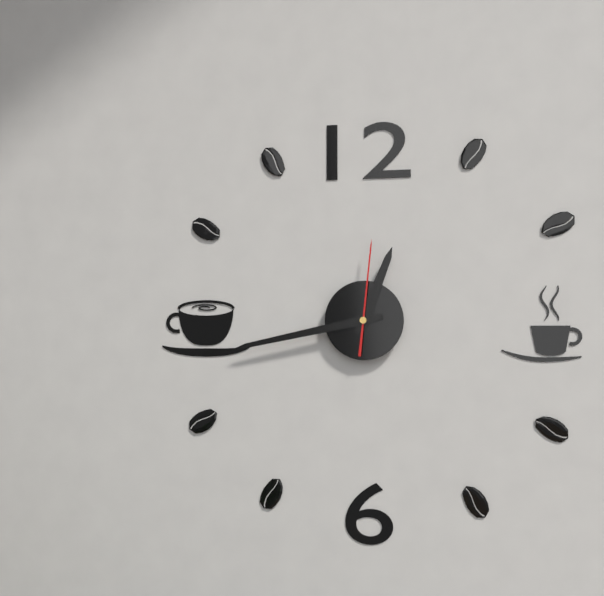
12:43:01
